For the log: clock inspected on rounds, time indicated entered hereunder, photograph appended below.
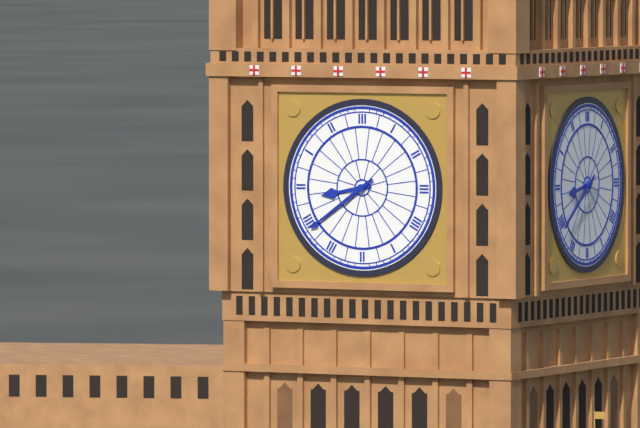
8:39
